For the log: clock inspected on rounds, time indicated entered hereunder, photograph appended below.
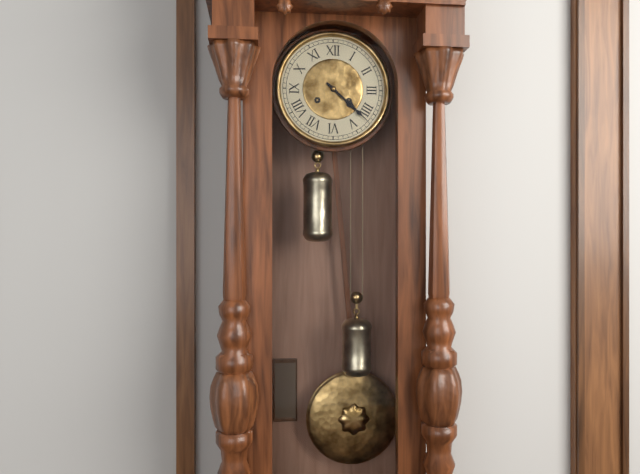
4:22
